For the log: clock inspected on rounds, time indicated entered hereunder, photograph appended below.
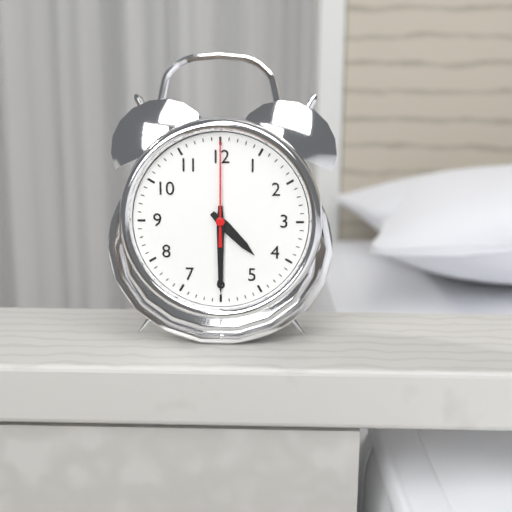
4:30:00
